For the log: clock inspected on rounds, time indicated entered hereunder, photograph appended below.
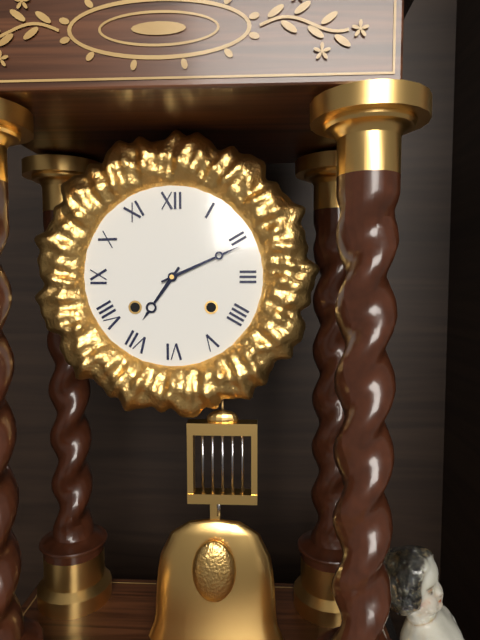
7:11
